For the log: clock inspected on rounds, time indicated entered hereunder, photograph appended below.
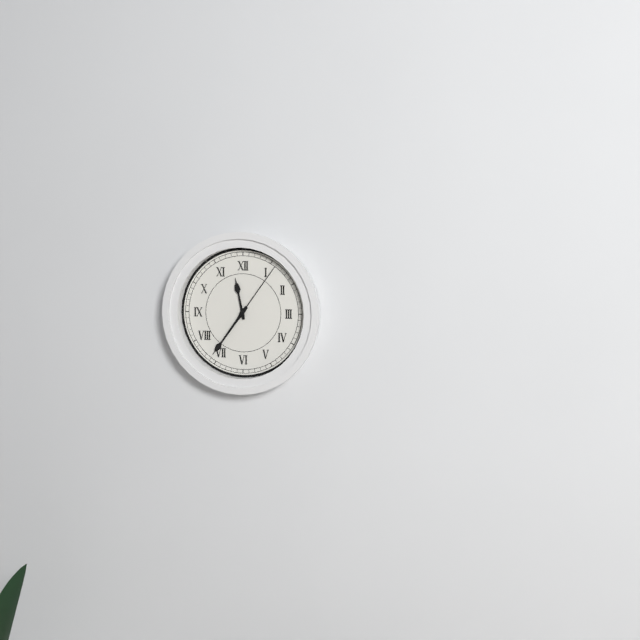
11:36:06
